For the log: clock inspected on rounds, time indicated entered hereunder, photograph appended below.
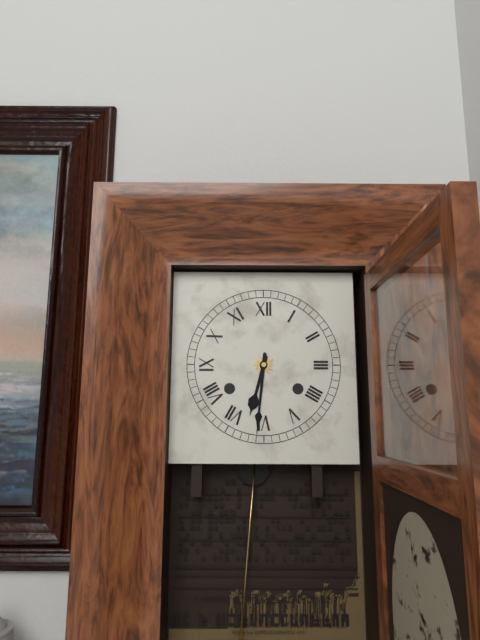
6:31
